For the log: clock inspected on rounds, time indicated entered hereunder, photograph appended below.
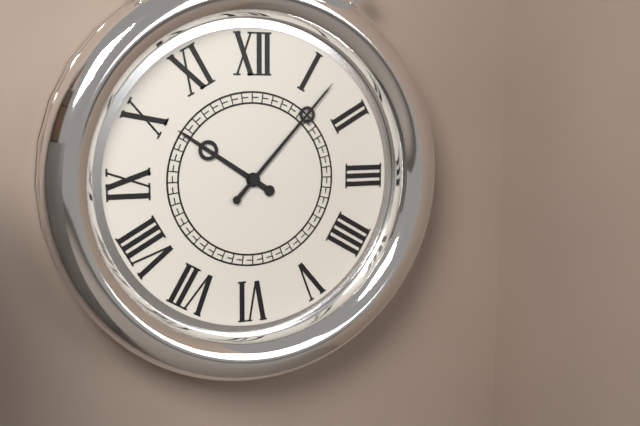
10:07
